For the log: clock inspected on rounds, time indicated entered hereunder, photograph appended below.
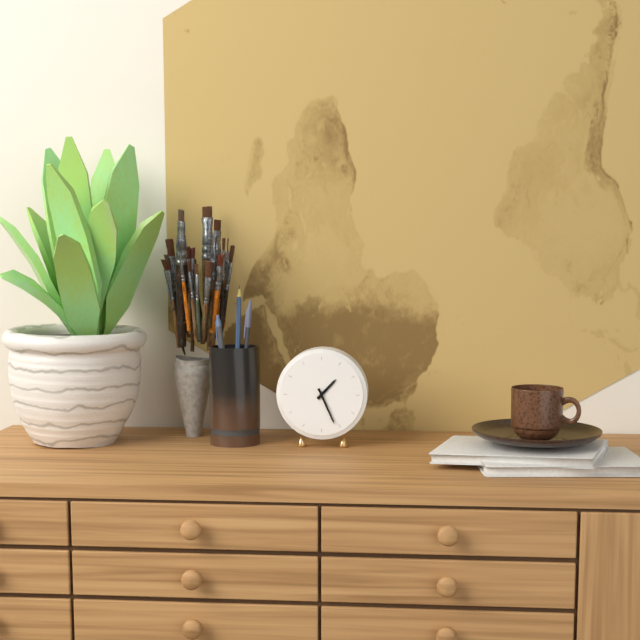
1:26
